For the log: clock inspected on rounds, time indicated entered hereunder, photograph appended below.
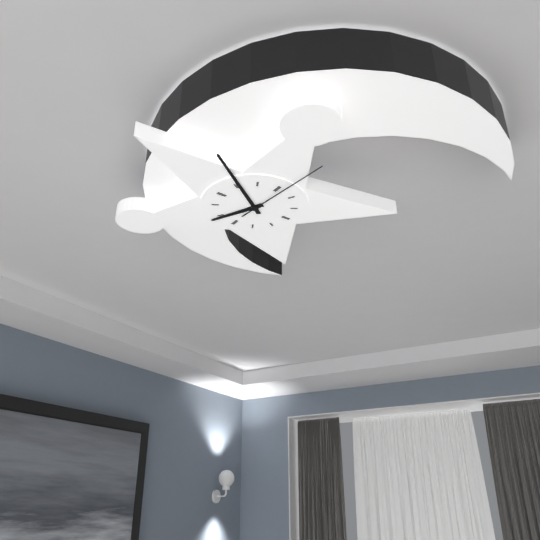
6:51:01
